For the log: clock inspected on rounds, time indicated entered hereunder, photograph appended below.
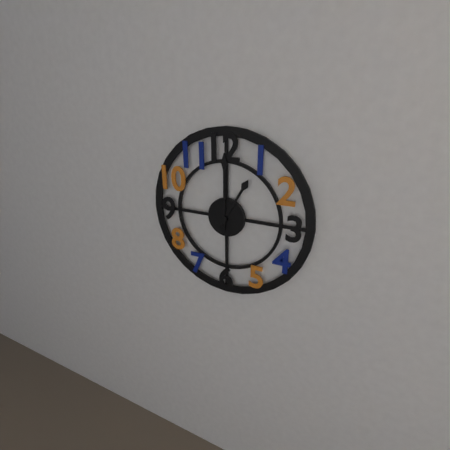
1:00
